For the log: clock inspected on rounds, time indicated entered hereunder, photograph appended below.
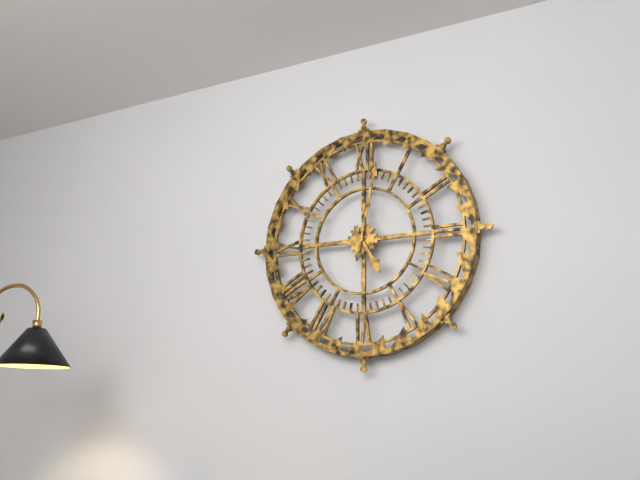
5:02
